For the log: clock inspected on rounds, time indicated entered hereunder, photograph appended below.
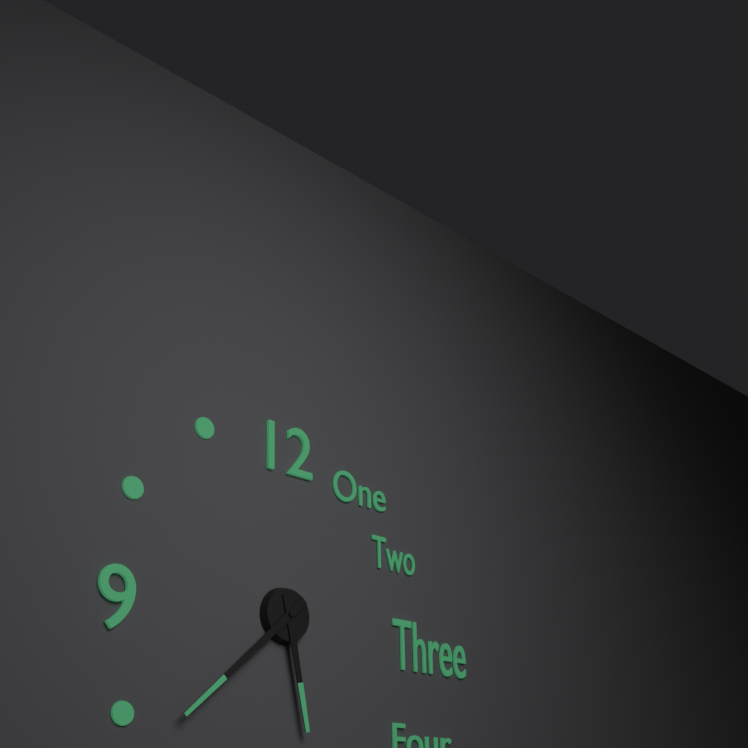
5:38
